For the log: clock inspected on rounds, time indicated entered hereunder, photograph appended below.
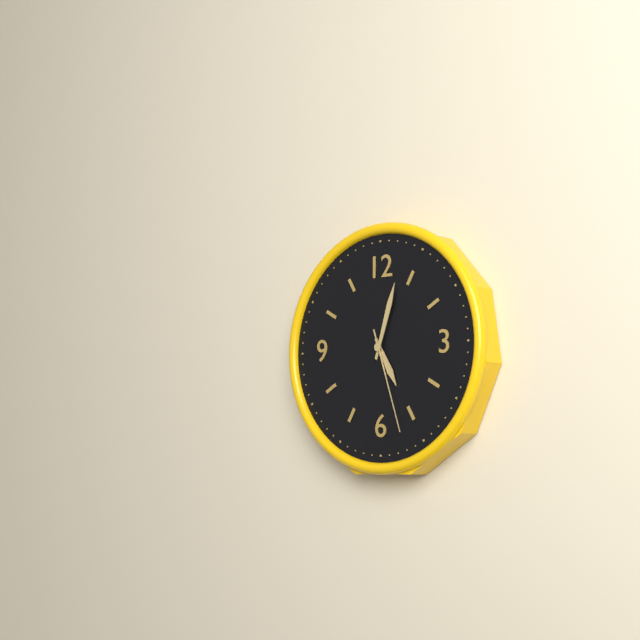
5:03:27
